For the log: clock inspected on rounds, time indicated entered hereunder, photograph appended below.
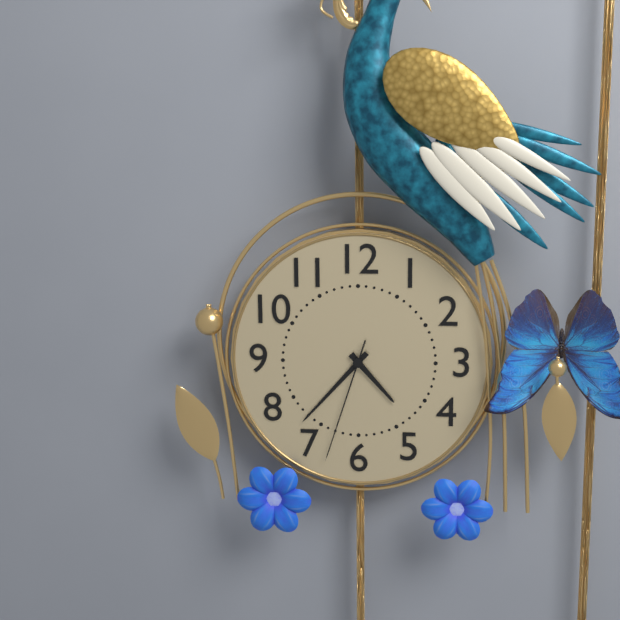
4:37:33
